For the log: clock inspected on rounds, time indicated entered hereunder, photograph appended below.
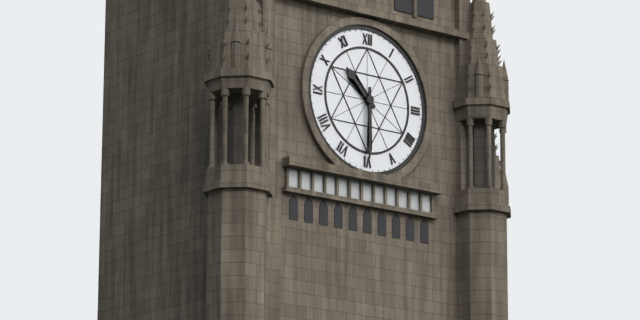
10:30
